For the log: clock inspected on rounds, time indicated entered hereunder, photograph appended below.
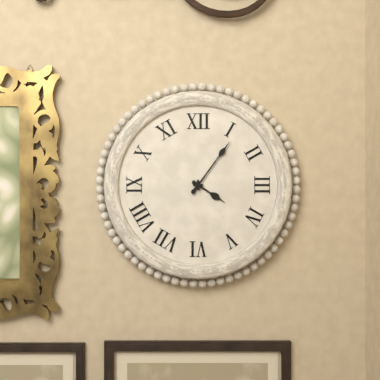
4:06
